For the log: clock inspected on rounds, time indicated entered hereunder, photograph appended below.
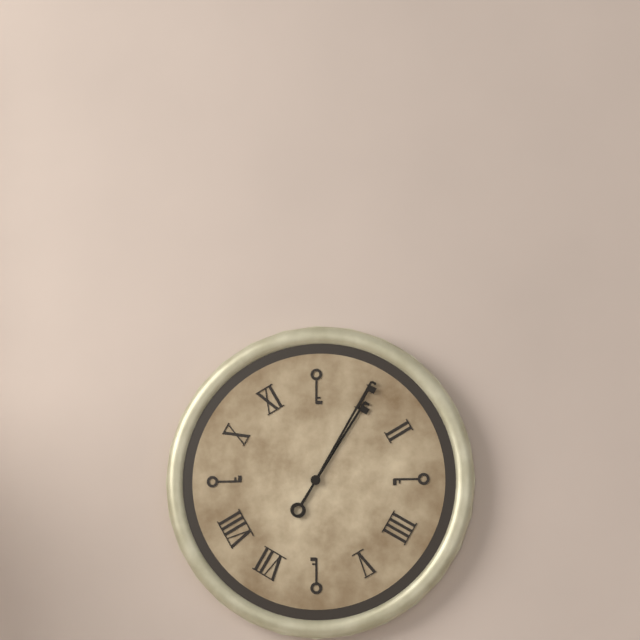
1:05
